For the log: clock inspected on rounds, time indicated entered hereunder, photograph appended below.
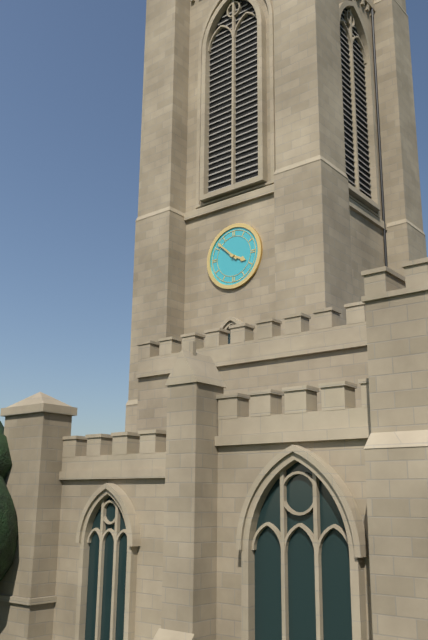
3:52
